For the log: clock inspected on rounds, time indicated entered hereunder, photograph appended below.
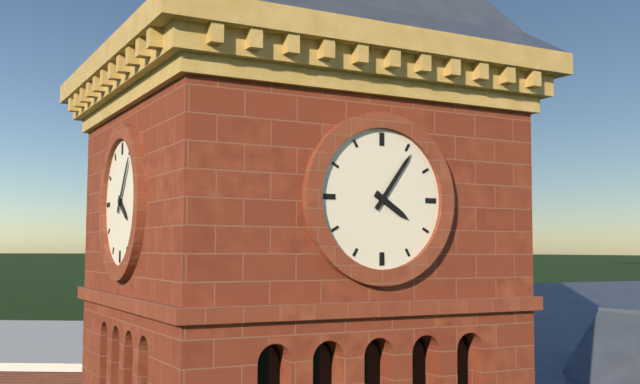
4:06
